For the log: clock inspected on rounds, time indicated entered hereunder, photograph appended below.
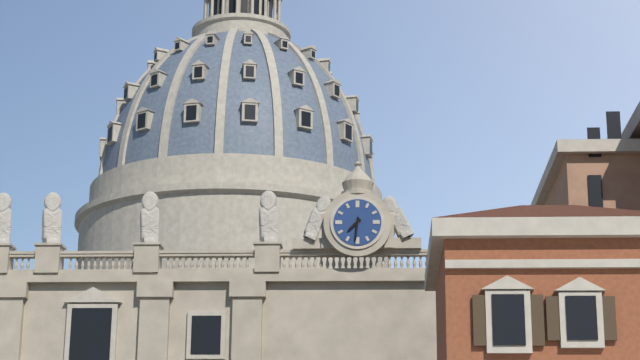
7:31
